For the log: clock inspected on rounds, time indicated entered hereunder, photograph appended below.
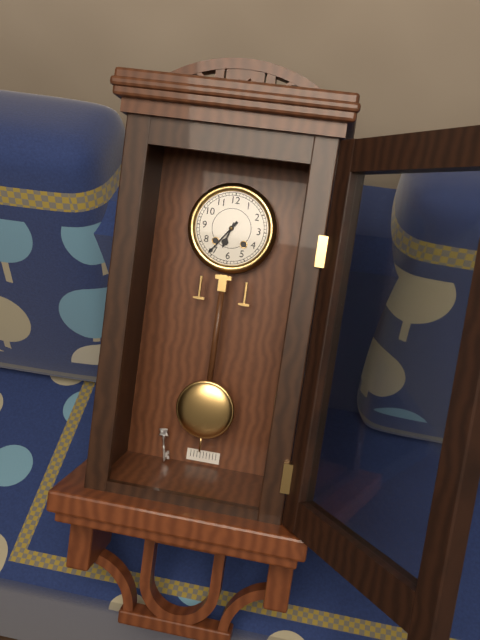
6:36
